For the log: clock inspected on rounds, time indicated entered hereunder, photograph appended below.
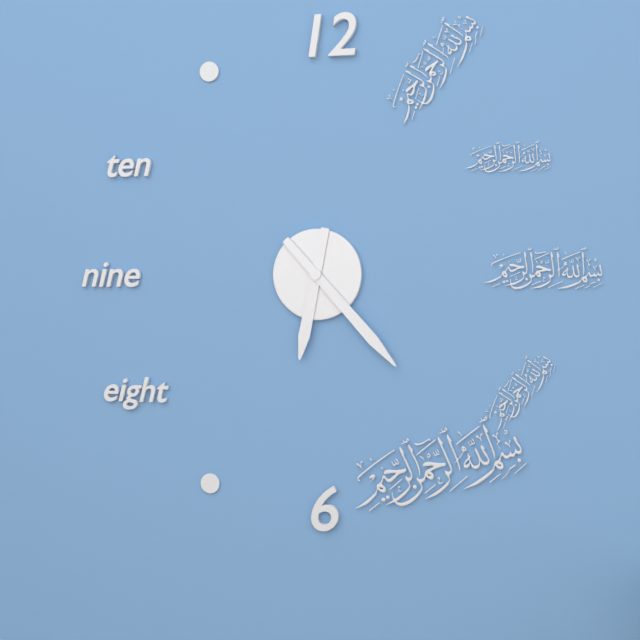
6:23
